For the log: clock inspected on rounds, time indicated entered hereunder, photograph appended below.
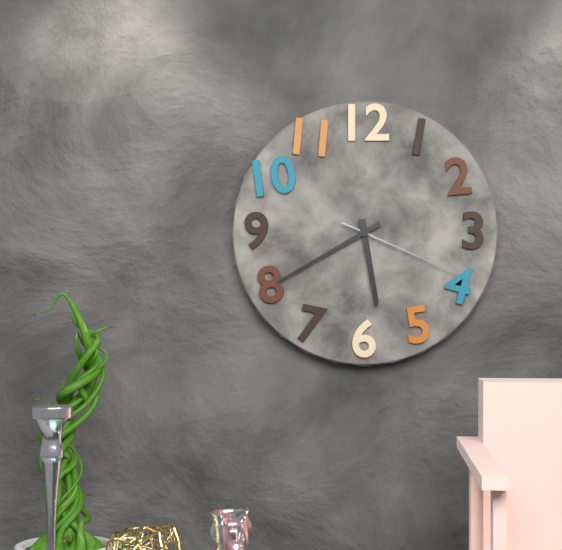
5:40:19
